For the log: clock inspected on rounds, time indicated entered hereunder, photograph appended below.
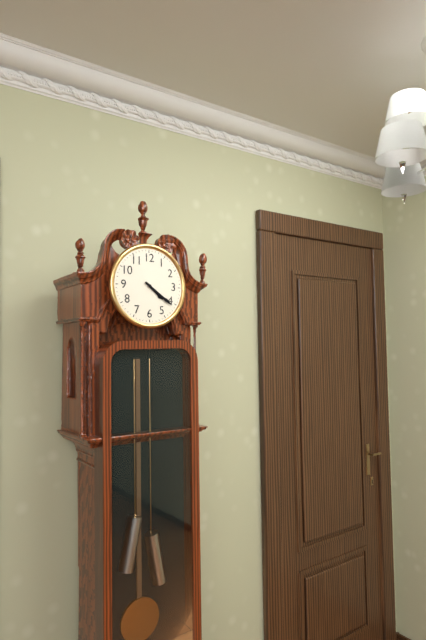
4:21
